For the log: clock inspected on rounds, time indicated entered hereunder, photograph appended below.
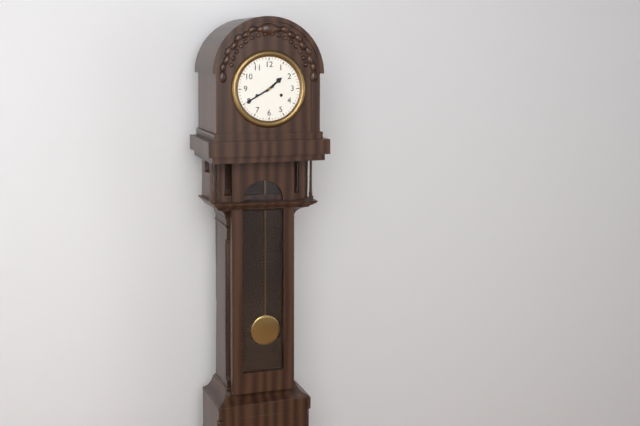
1:40
